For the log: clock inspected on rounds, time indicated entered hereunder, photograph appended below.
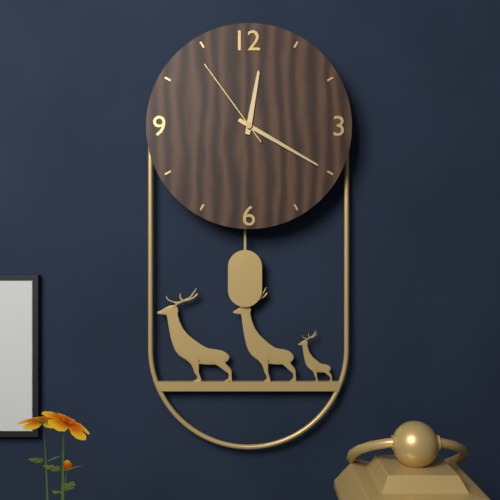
12:20:54
